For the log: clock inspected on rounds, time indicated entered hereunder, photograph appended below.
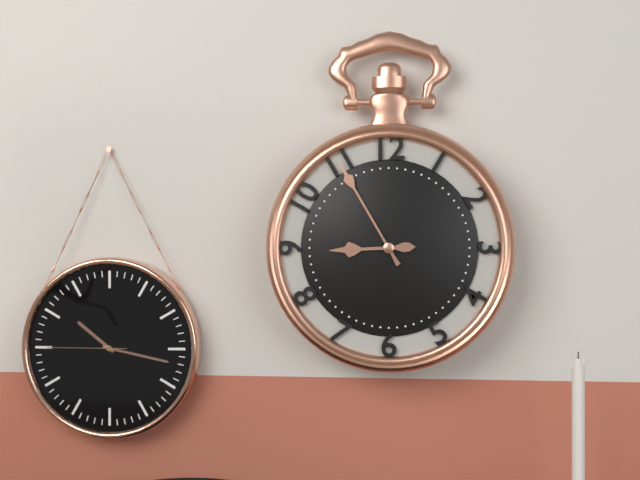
8:55
